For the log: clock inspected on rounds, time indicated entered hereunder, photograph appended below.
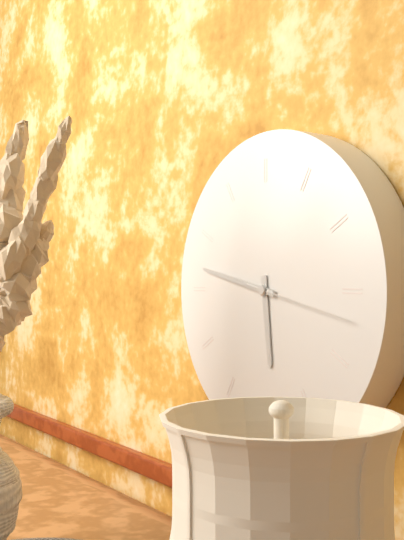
5:47:17
